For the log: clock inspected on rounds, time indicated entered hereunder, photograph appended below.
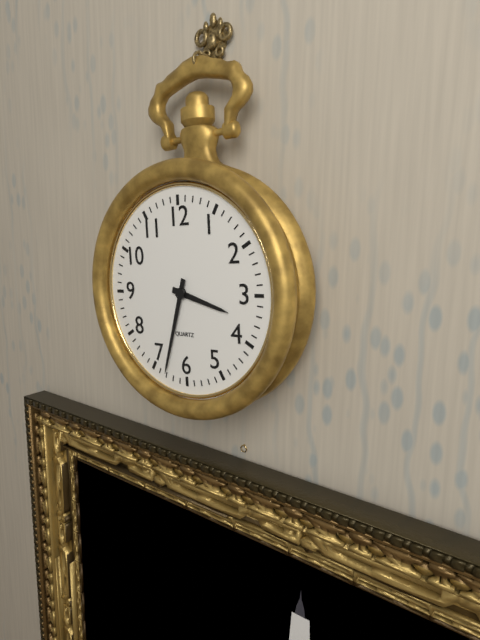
3:33
